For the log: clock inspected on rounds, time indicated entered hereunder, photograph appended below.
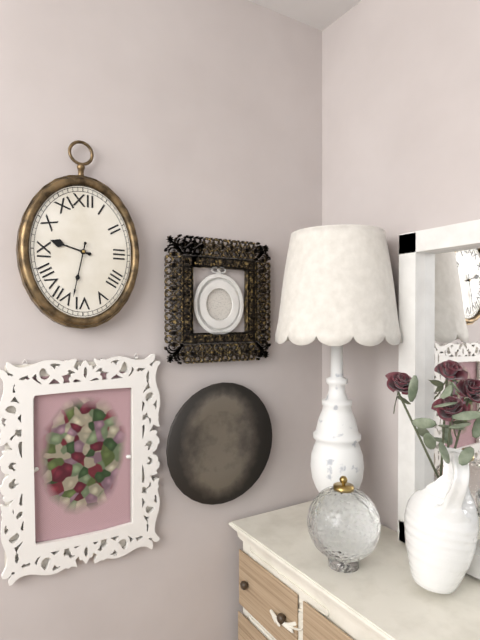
9:32
